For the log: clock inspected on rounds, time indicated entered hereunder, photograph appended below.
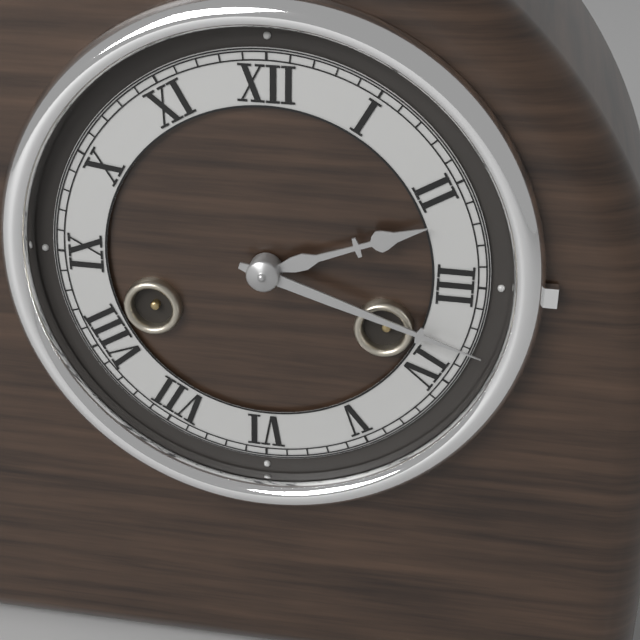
2:18
